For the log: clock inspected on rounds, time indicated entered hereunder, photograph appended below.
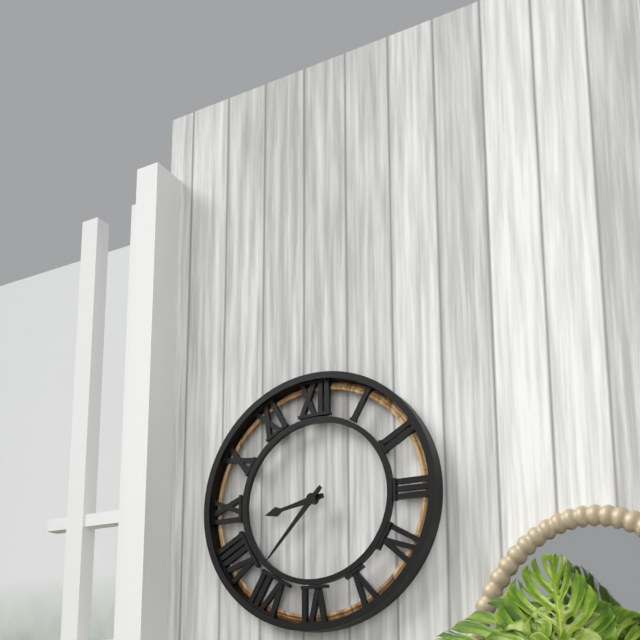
8:37
